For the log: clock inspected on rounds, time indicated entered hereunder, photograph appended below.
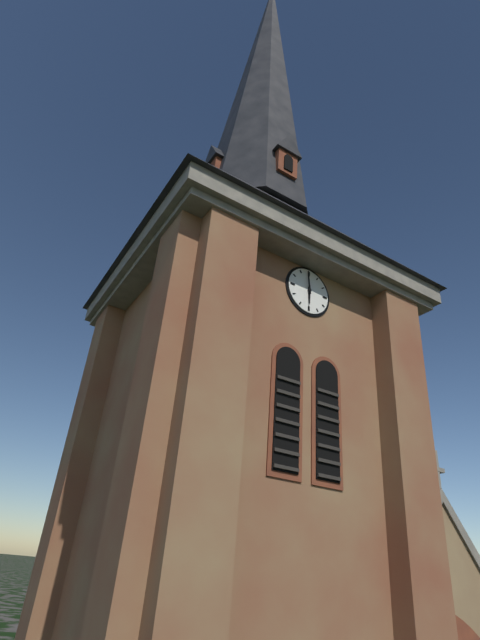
5:59
